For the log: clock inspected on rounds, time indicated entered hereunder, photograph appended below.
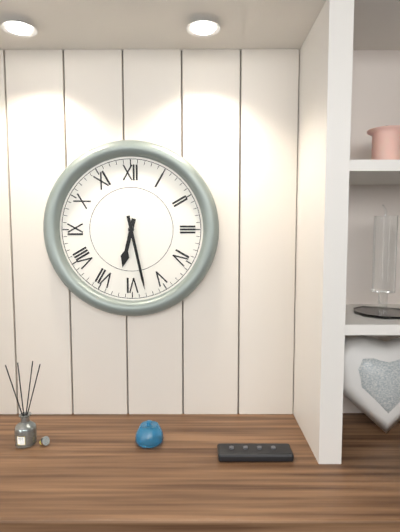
6:28
